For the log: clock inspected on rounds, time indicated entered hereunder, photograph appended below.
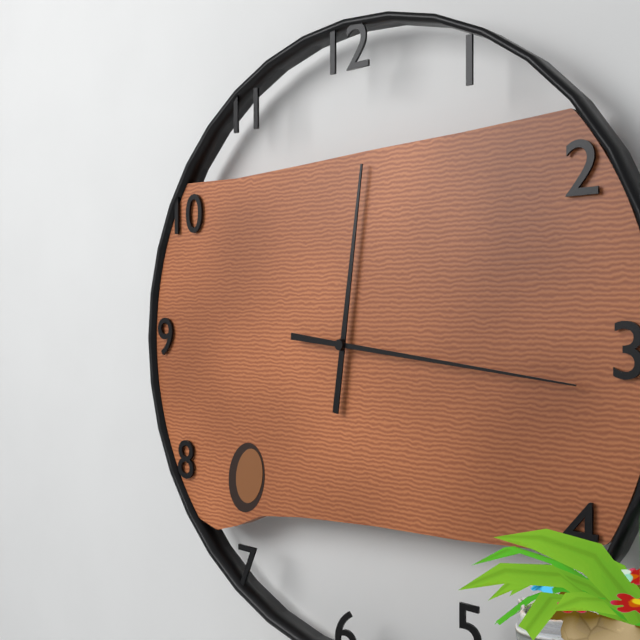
12:16
